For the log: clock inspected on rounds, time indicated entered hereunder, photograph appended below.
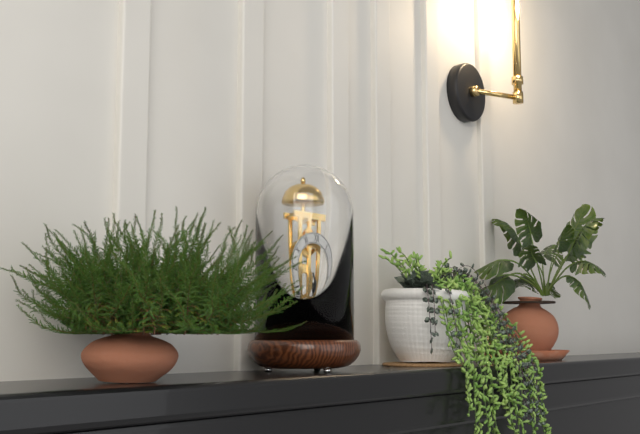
2:21
